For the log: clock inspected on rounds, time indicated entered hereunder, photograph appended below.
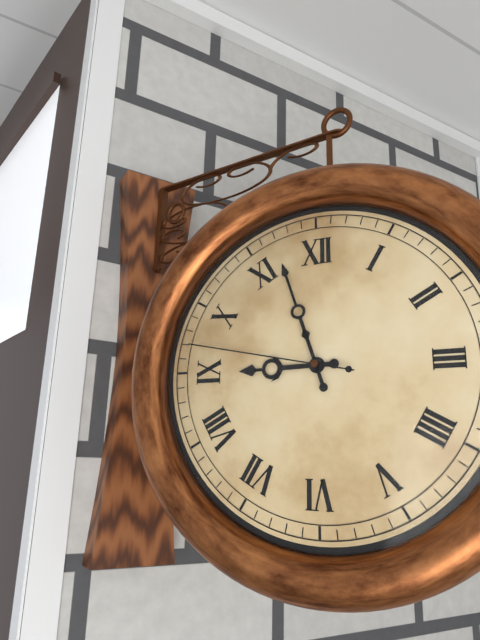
8:57:47
